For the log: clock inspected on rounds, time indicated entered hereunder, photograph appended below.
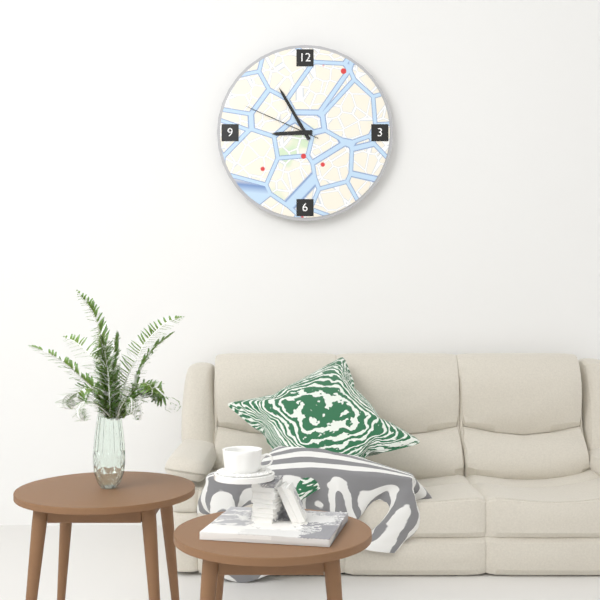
8:55:49
